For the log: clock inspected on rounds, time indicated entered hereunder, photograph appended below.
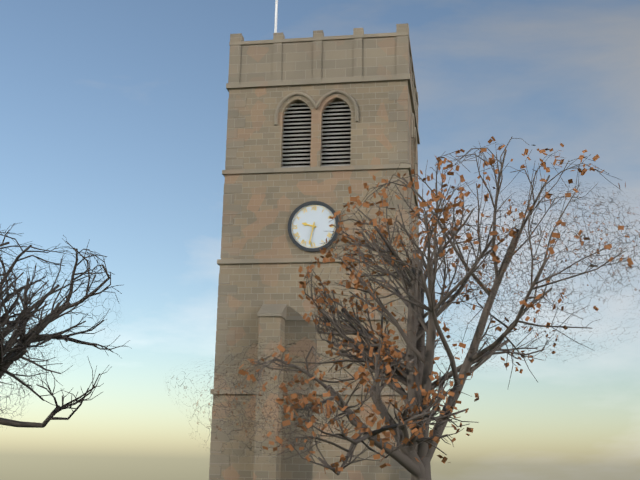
9:32
